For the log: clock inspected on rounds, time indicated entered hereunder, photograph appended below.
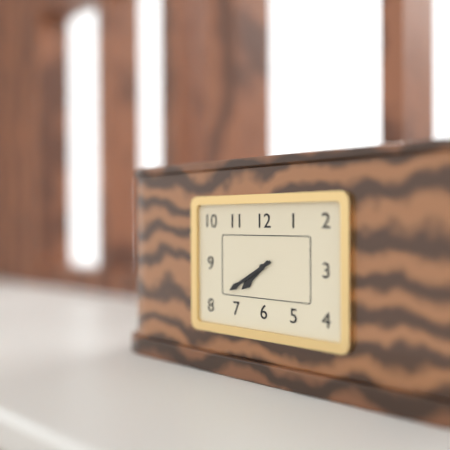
7:40
